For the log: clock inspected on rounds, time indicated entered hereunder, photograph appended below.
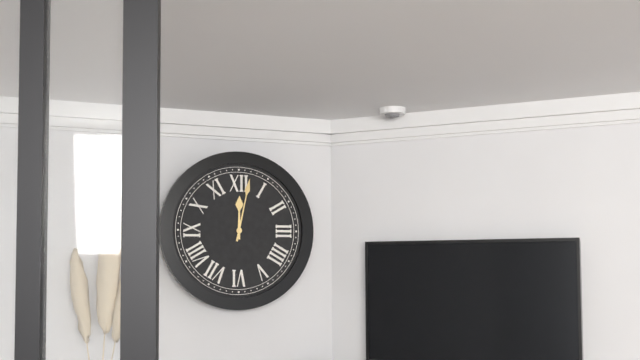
12:02
